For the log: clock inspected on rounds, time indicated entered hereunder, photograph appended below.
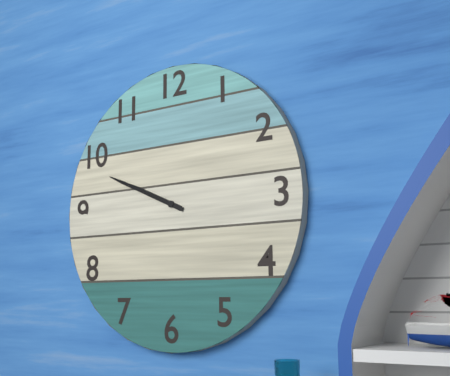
9:49
